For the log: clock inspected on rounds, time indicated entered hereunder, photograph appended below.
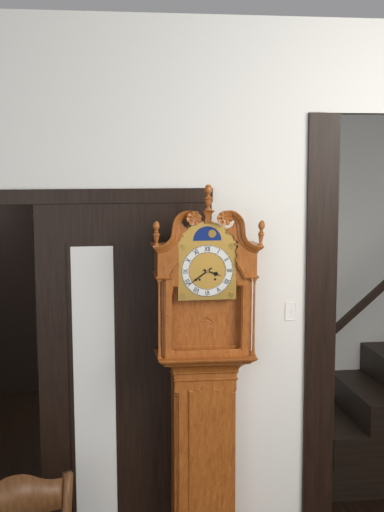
3:39
